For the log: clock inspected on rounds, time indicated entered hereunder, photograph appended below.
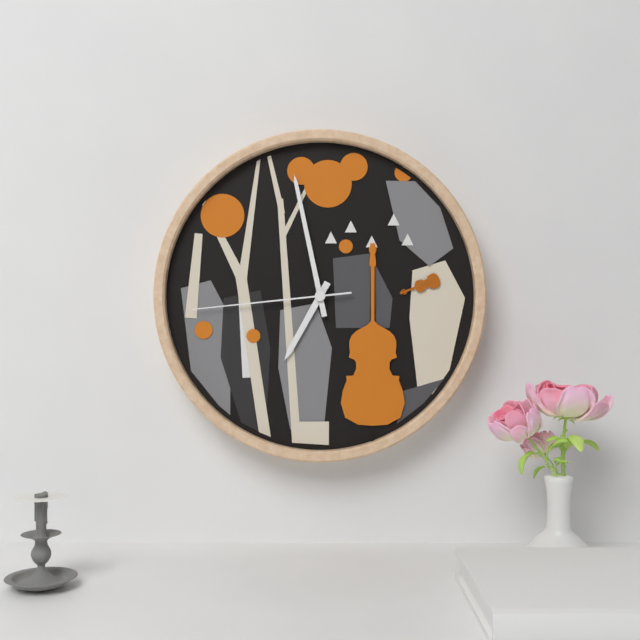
6:58:44
